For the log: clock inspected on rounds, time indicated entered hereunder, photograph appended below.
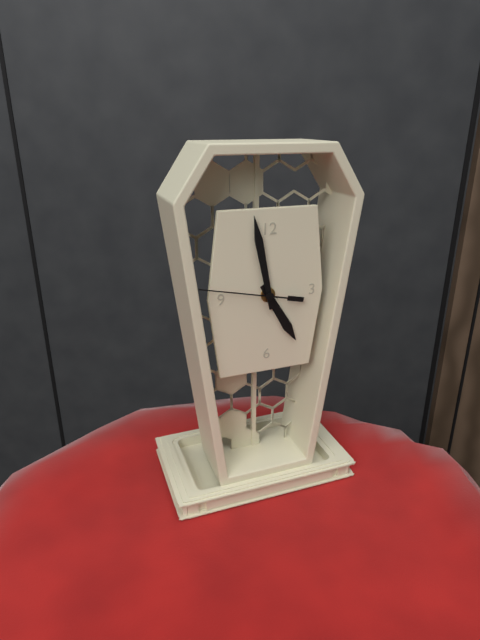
4:58:47
